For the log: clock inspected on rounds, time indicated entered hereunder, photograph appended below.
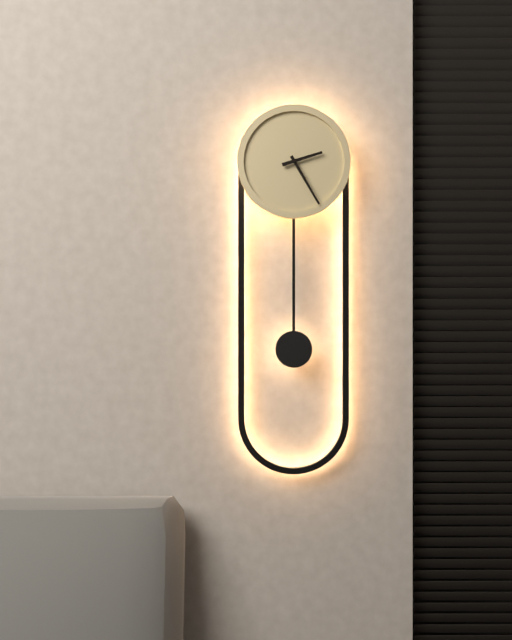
2:25
